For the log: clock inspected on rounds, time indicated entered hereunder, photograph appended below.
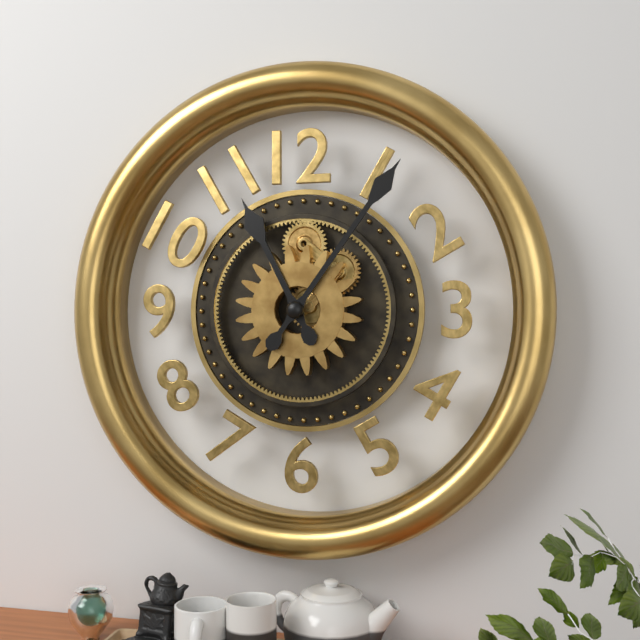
11:06
